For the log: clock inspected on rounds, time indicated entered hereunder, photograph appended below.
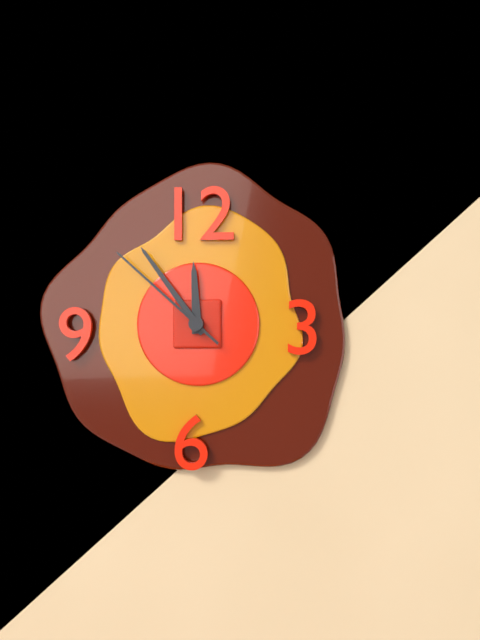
11:54:52
